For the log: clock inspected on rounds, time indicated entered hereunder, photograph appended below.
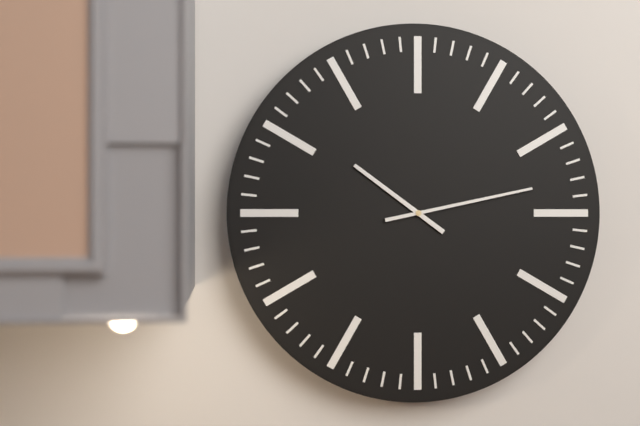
10:13
